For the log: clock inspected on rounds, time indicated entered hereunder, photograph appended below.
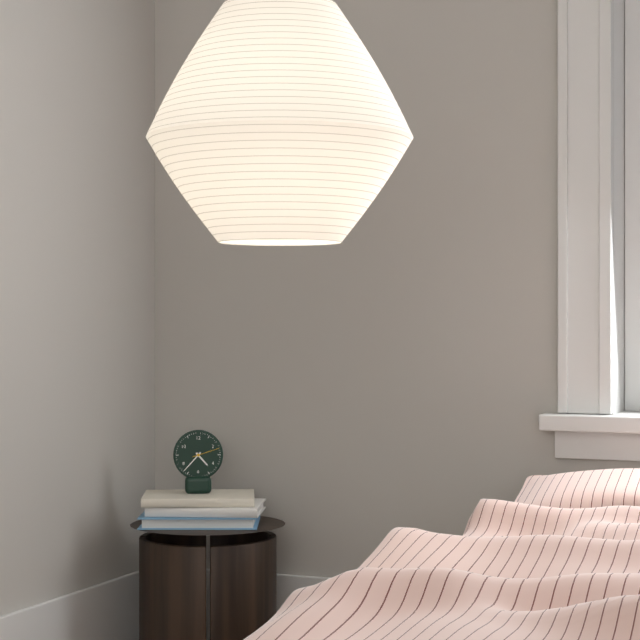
4:37
